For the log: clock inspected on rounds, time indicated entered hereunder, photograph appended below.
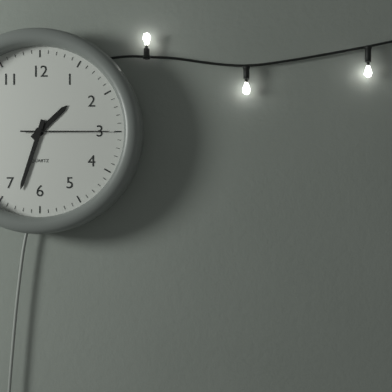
1:33:15
